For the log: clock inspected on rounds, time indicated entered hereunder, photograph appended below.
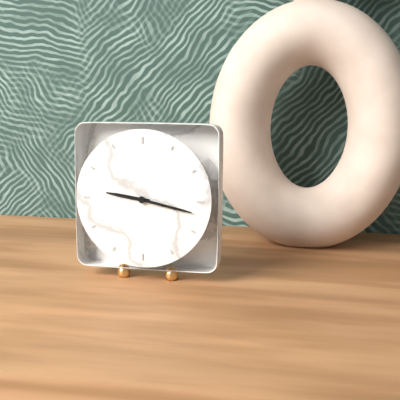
9:17
